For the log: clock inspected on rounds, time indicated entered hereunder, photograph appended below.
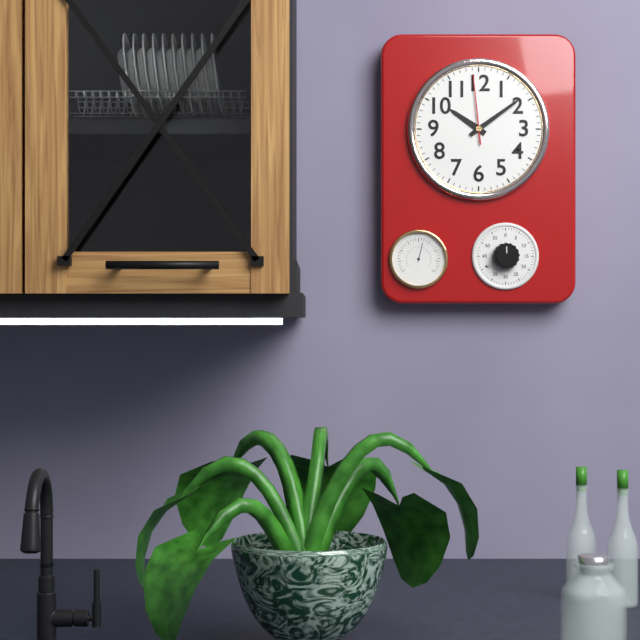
10:09:59
